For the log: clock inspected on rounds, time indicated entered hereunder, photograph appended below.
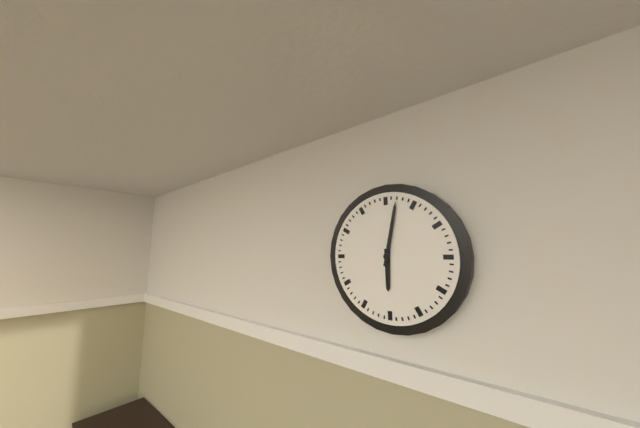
6:02
